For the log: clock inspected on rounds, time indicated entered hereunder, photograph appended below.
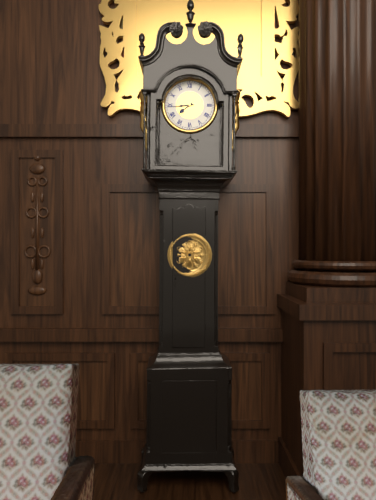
7:44
